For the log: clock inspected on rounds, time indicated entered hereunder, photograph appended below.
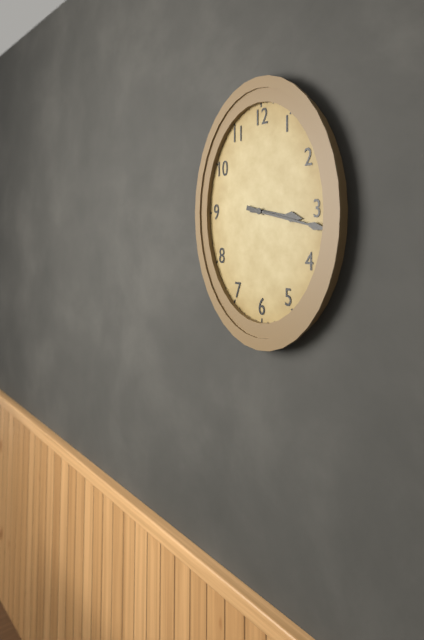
3:17
